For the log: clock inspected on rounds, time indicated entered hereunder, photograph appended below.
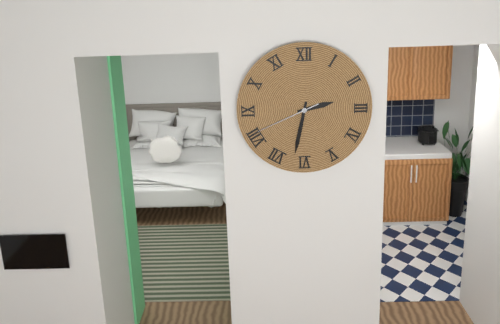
2:32:41
